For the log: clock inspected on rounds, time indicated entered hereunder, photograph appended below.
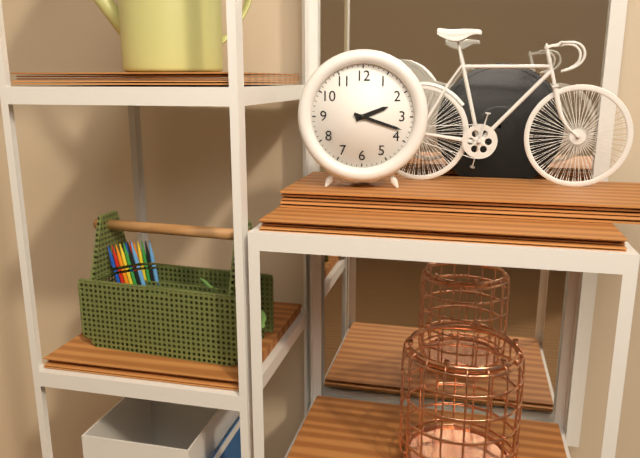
2:18
